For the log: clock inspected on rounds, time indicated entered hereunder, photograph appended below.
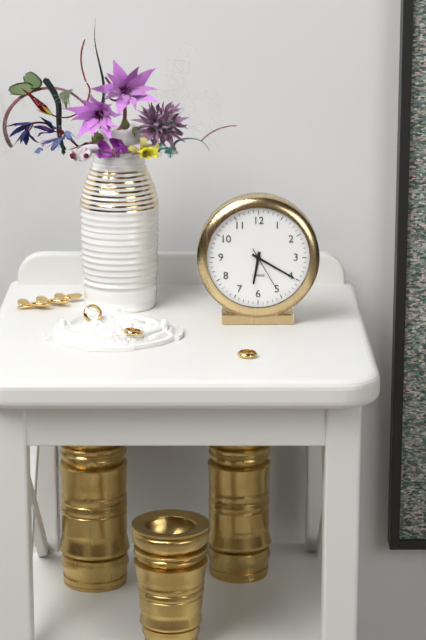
6:20
